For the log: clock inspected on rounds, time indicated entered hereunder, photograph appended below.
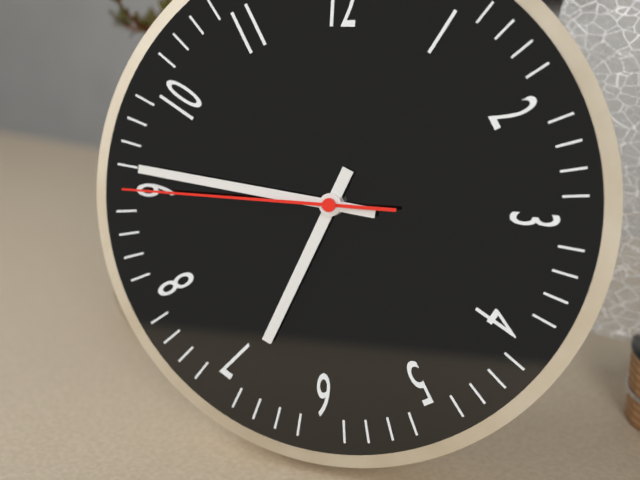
6:46:45
